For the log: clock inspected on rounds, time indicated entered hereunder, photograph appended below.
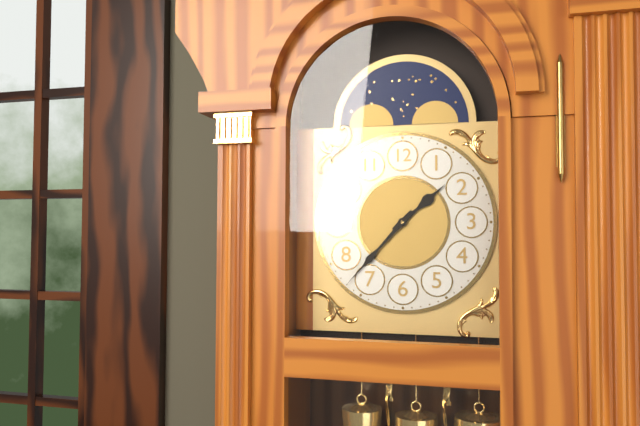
1:37
